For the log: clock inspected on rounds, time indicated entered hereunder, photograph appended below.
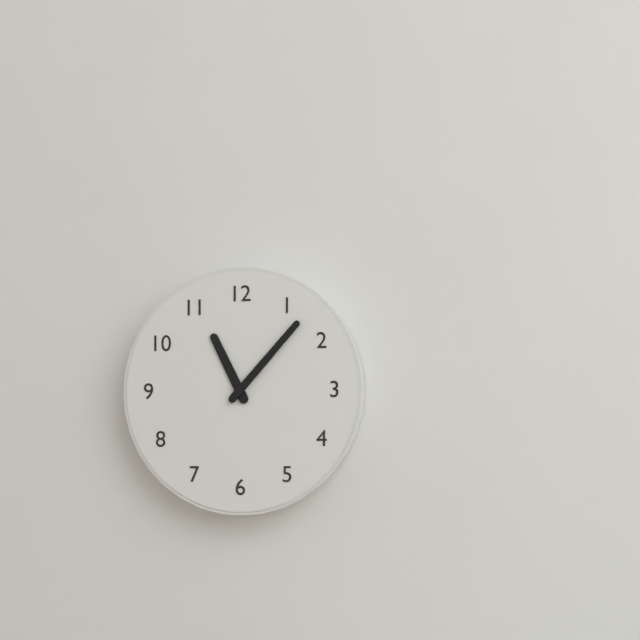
11:07
